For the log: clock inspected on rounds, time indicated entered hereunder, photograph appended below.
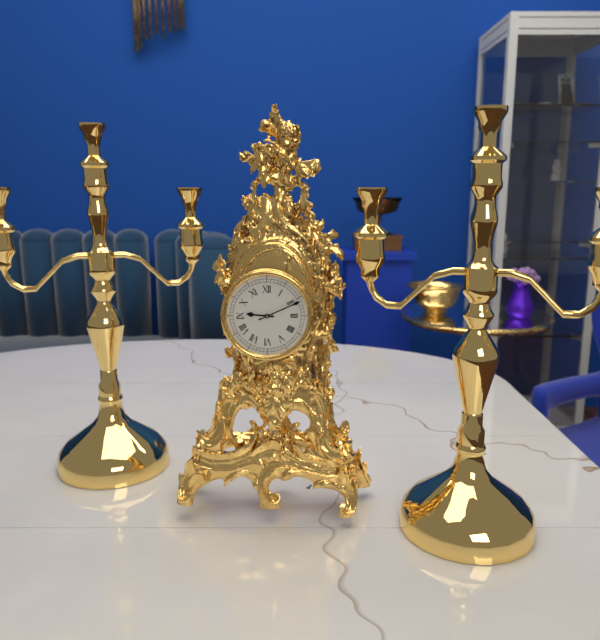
9:11
